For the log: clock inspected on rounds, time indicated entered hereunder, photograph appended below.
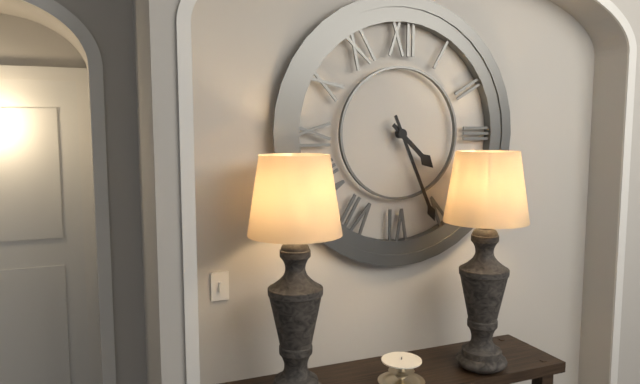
4:26
